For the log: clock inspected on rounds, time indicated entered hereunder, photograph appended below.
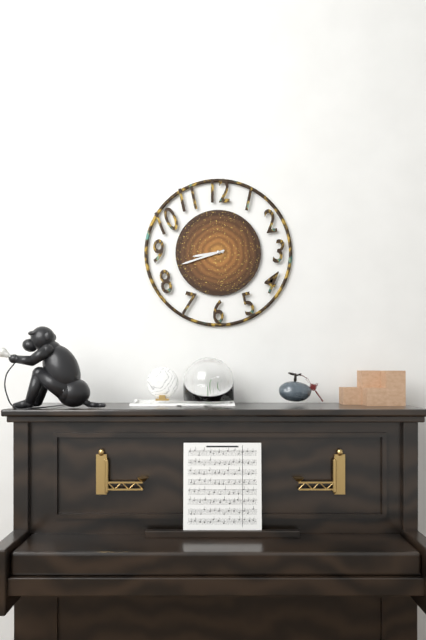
8:42
